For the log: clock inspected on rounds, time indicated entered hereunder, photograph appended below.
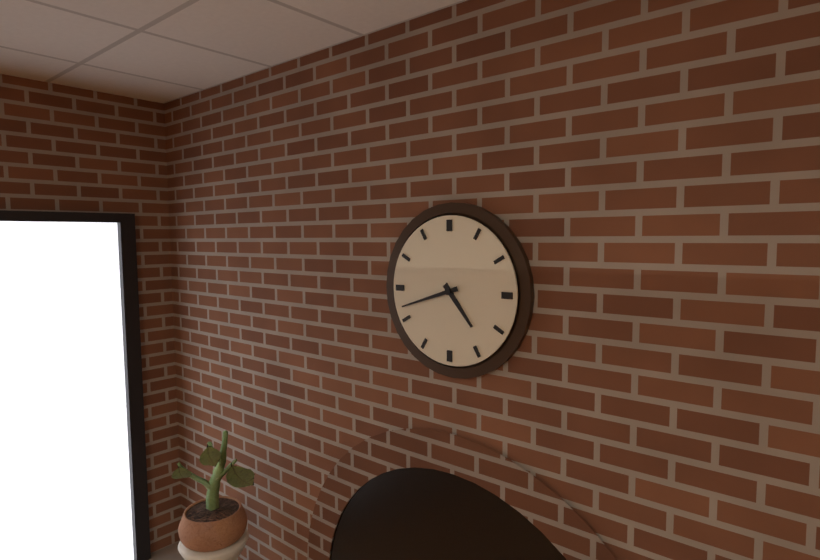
4:42
